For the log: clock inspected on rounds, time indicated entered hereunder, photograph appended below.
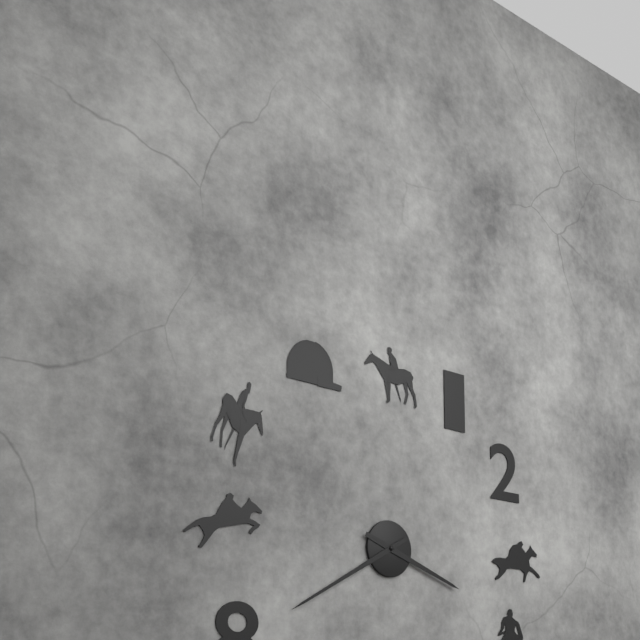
3:40
